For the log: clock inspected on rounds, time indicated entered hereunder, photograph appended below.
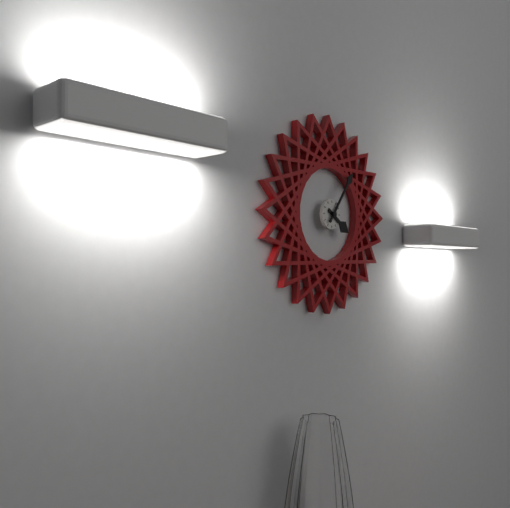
4:06
